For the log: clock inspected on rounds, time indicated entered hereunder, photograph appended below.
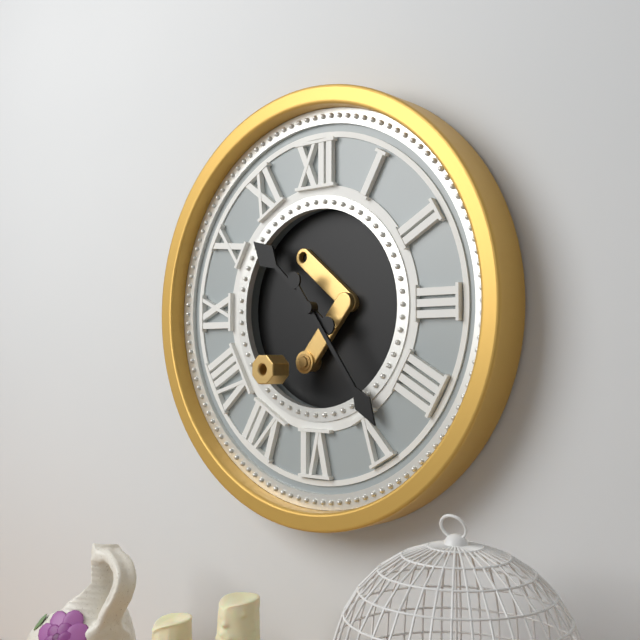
10:24
